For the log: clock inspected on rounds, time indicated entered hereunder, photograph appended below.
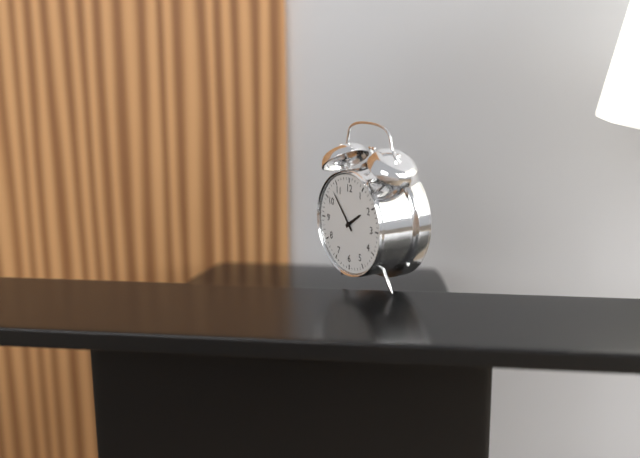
1:53
